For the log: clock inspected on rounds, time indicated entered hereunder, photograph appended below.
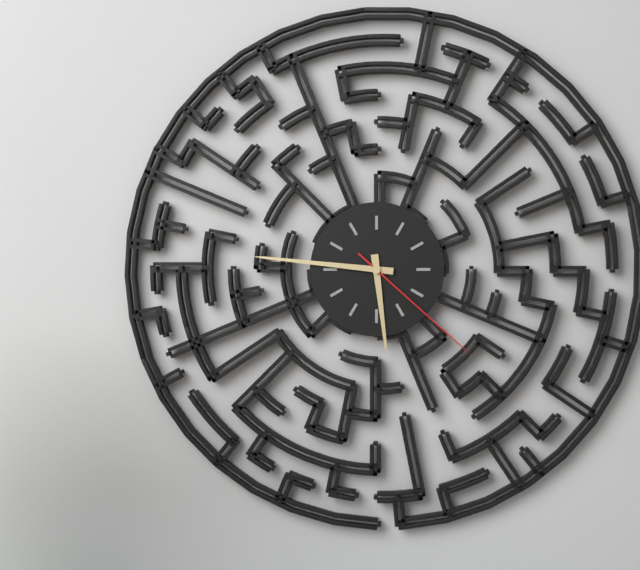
5:46:22
